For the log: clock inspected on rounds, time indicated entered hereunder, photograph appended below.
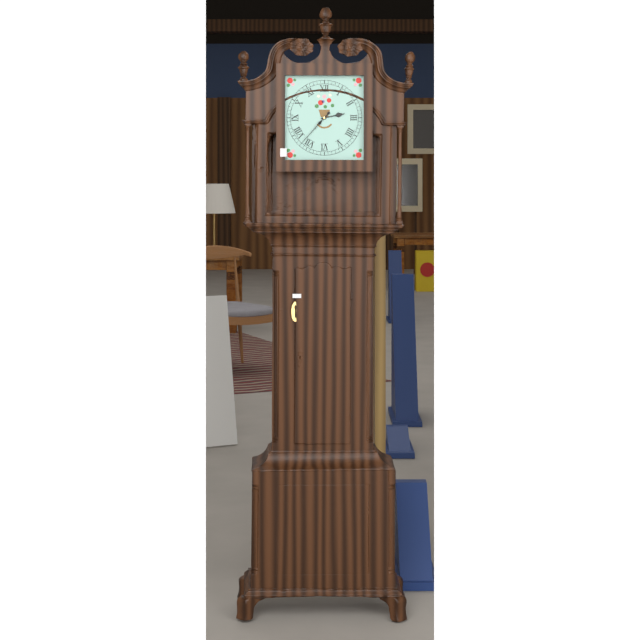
2:37
